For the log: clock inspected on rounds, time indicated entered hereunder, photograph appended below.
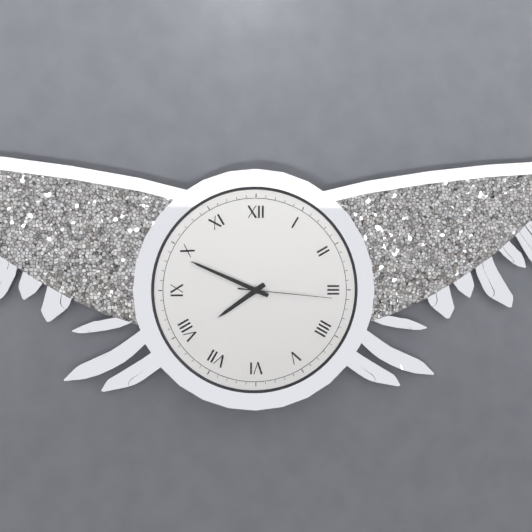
7:49:16
